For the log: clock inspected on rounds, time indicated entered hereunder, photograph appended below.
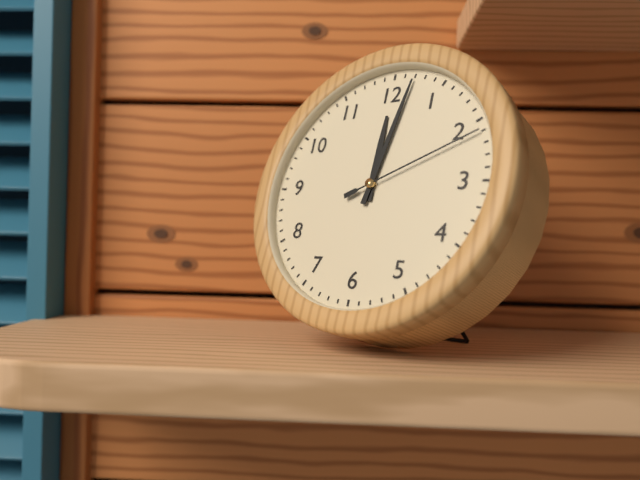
12:02:11
